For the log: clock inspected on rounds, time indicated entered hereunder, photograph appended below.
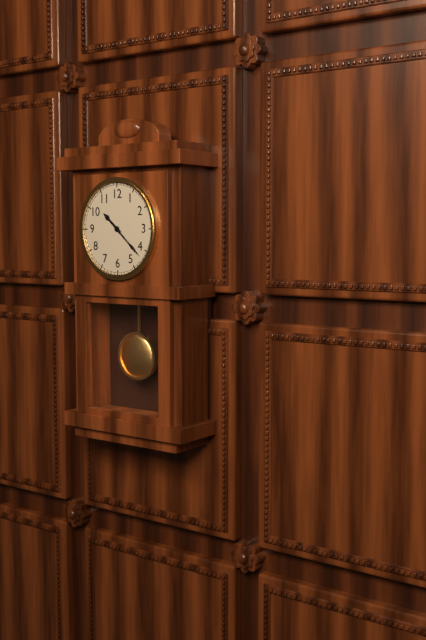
10:22
